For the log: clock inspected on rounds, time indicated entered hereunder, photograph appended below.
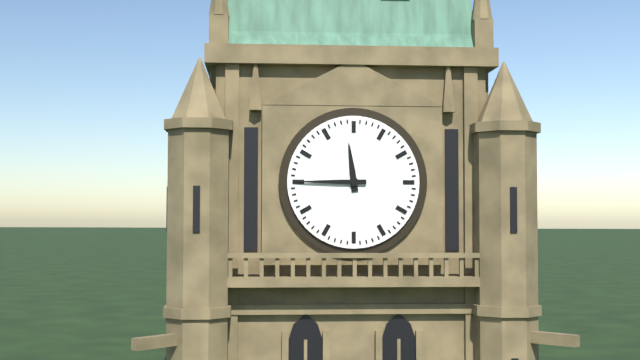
11:45
